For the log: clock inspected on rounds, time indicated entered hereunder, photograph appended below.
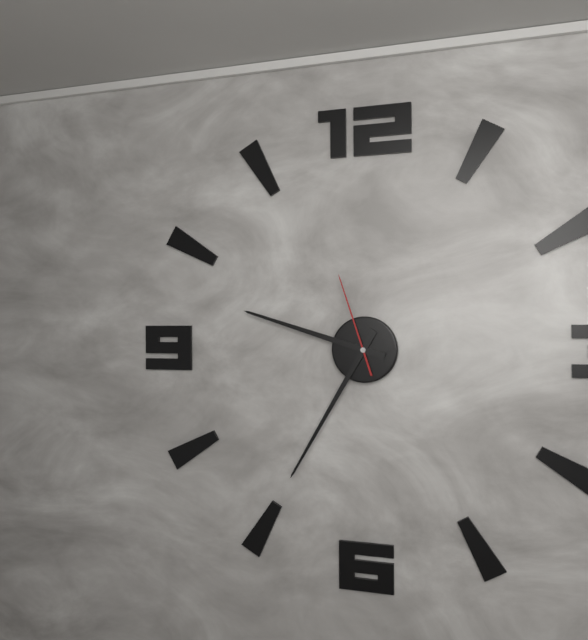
9:35:57
